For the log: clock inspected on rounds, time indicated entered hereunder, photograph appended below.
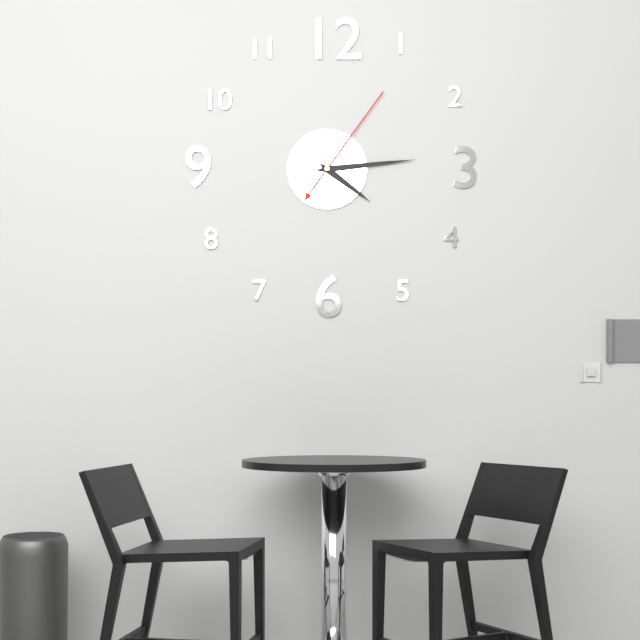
4:14:06
